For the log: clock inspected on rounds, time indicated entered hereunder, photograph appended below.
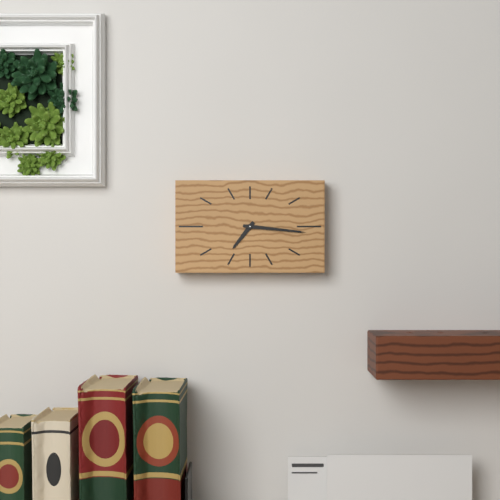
7:16
